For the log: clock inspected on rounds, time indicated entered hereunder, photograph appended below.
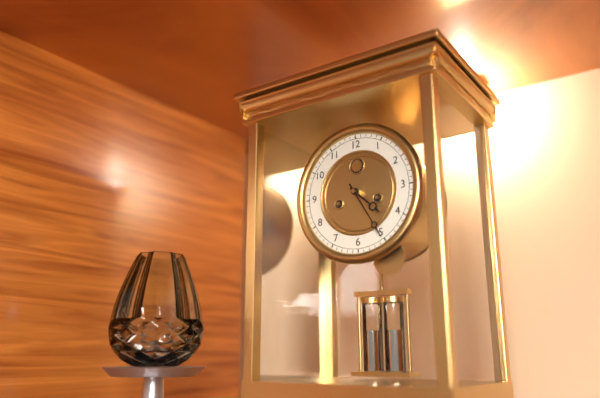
4:25
